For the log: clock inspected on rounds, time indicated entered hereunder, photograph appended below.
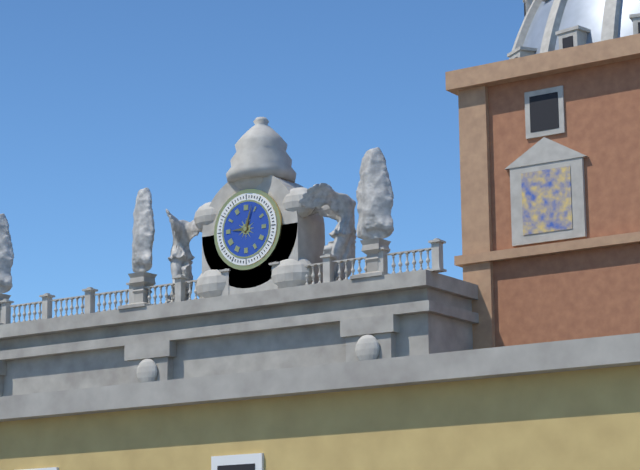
9:03
